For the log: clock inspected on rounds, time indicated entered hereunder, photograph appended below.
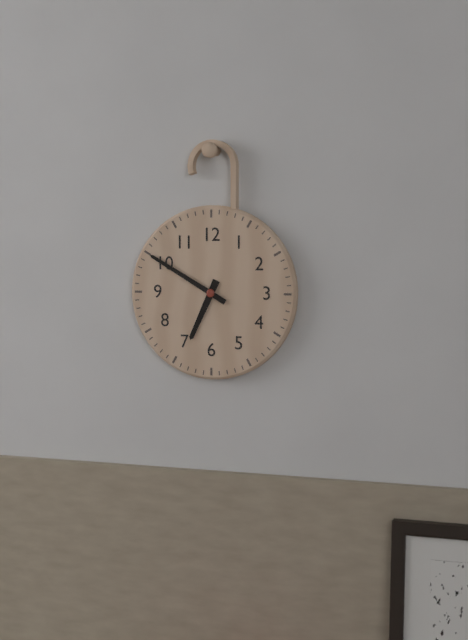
6:50
